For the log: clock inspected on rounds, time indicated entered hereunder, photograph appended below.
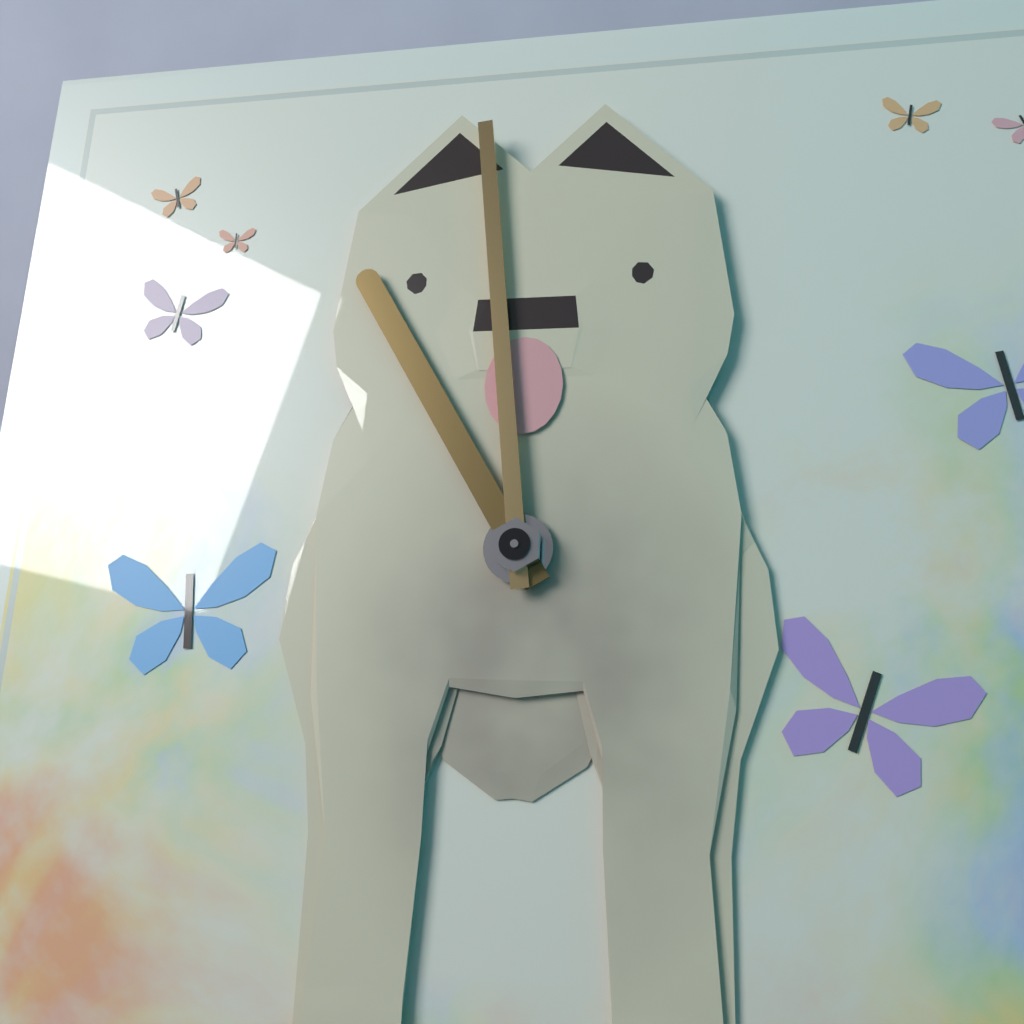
10:59
